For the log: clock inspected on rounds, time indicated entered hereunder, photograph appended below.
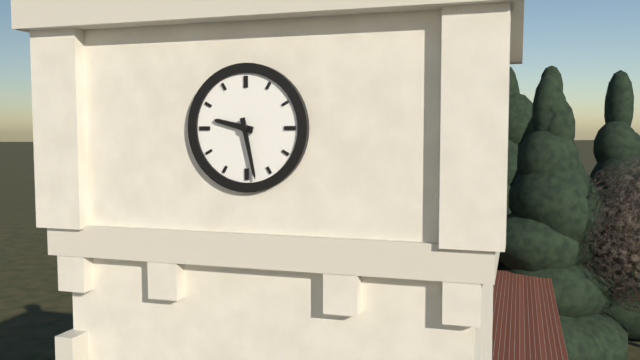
9:28
